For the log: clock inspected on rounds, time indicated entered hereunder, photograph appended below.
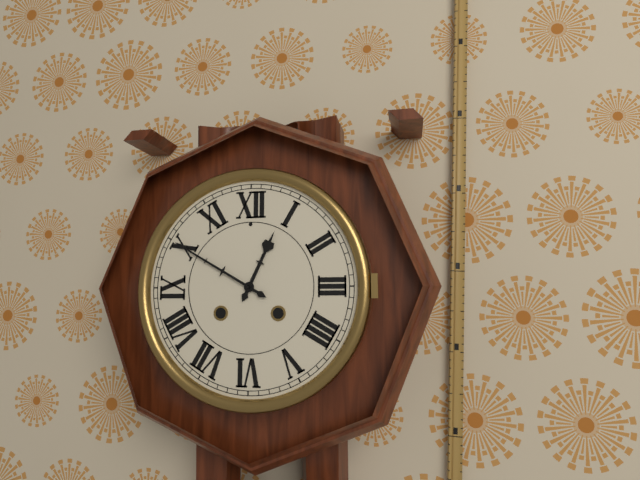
12:50
